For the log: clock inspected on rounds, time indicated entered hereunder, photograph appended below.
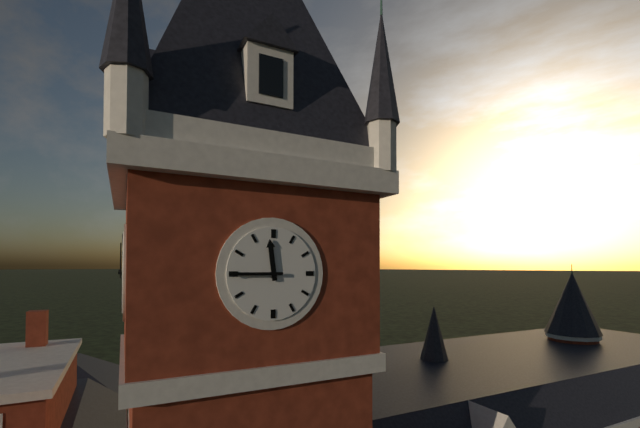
11:45
